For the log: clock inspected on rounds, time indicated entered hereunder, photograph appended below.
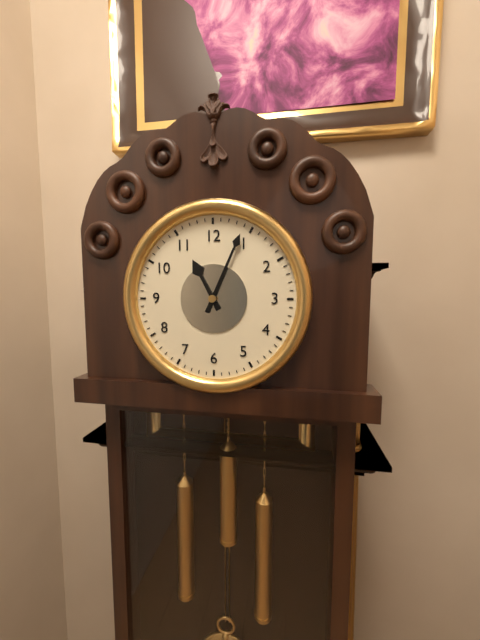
11:04
